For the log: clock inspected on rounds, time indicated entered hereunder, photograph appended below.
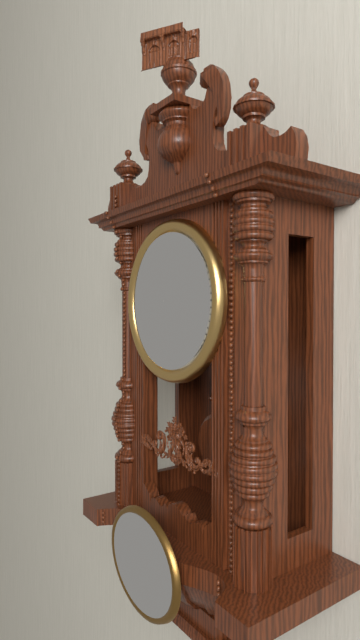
4:24
